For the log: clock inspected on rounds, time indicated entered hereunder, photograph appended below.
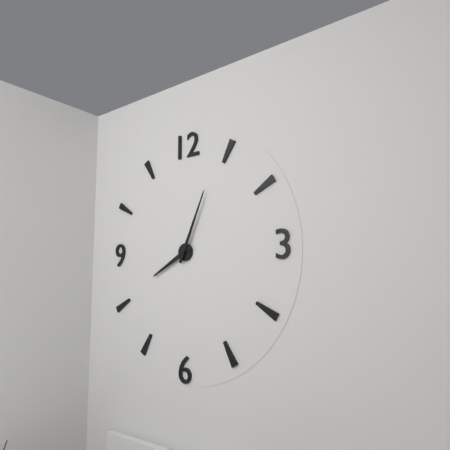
8:04
